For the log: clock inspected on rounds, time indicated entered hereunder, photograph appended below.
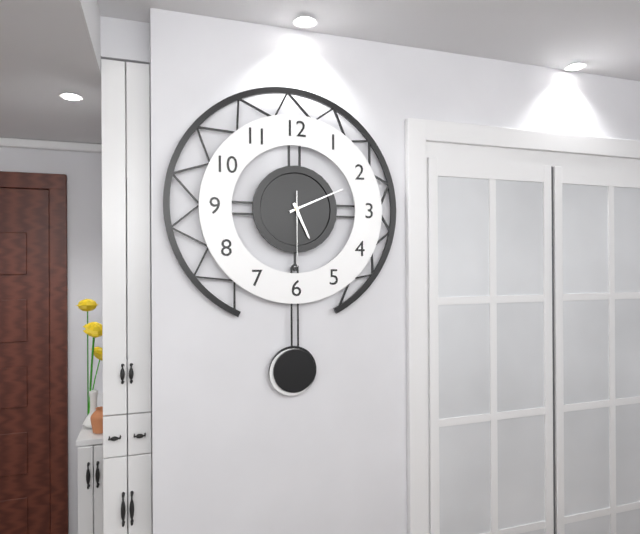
5:11:30
